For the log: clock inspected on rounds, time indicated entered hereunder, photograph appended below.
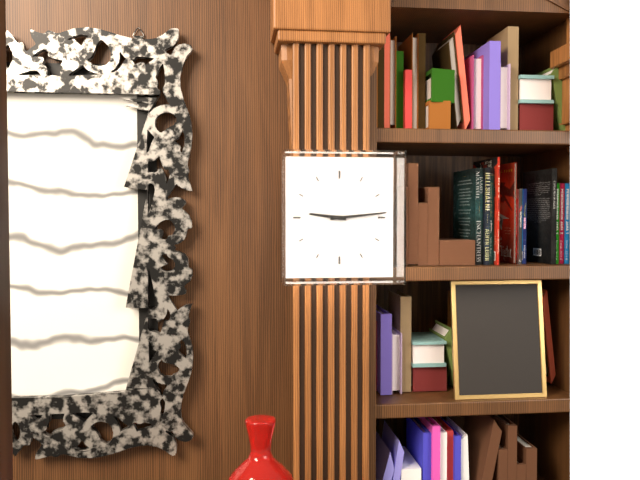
9:14
